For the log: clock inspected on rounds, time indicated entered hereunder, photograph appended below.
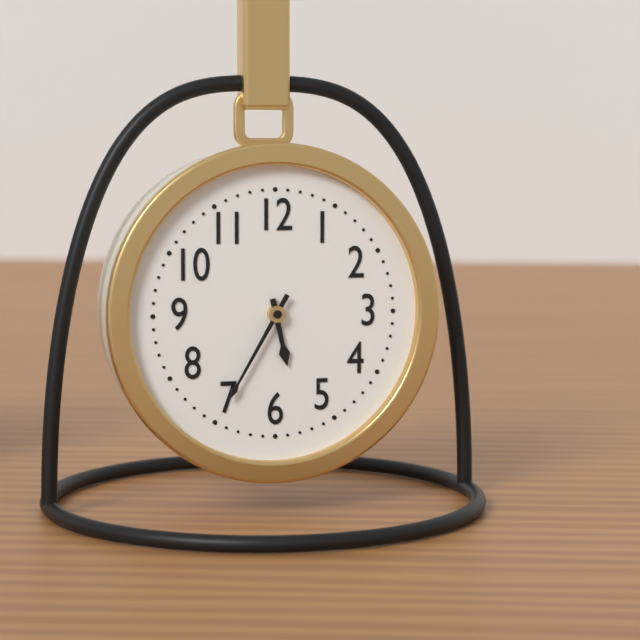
5:35
